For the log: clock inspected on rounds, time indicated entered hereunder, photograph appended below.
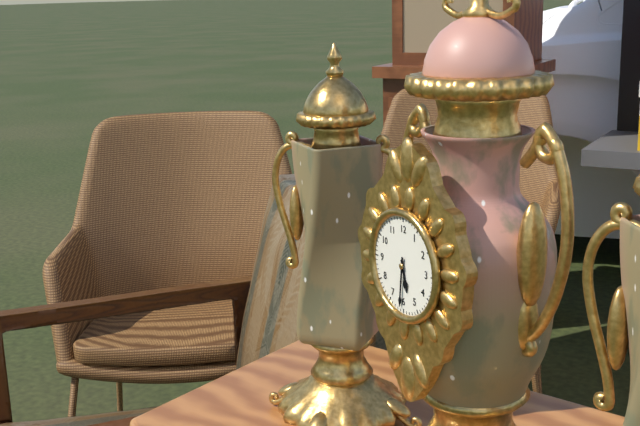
5:31
